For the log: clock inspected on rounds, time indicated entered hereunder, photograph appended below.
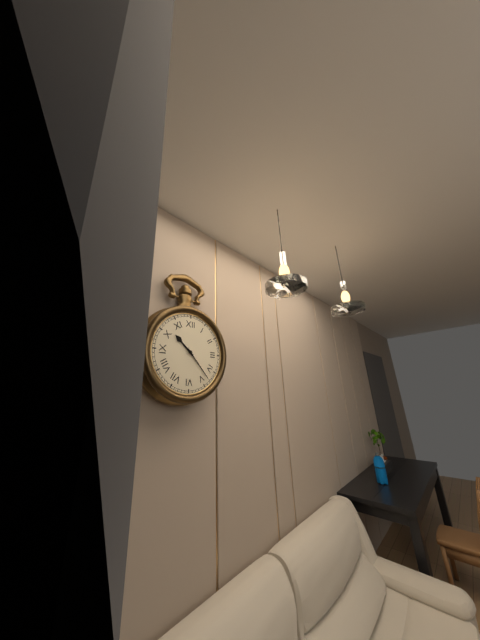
10:23
